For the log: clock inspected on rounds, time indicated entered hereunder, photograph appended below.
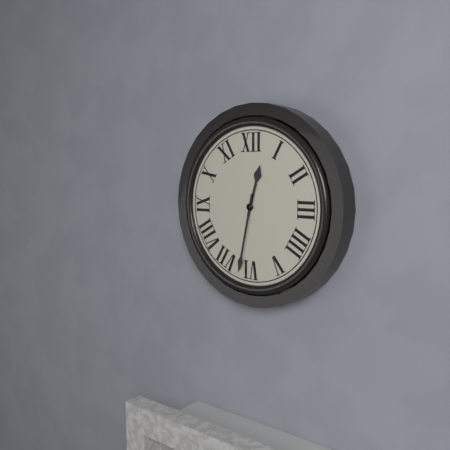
12:32
